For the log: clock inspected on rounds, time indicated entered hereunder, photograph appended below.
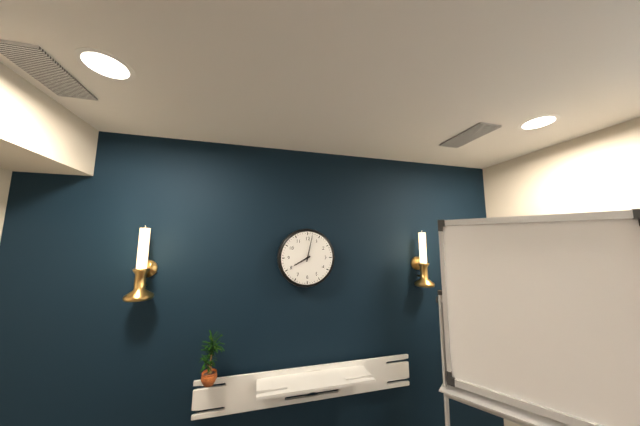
8:02
